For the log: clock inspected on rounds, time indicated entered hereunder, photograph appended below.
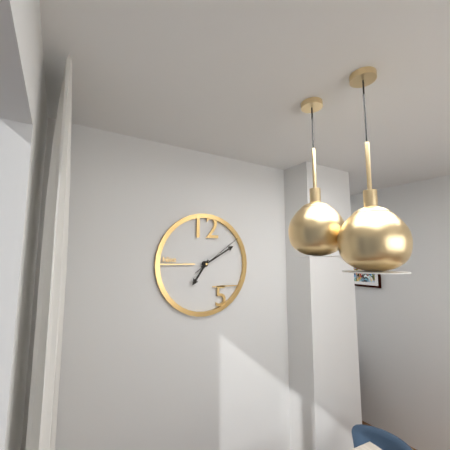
7:10:09
